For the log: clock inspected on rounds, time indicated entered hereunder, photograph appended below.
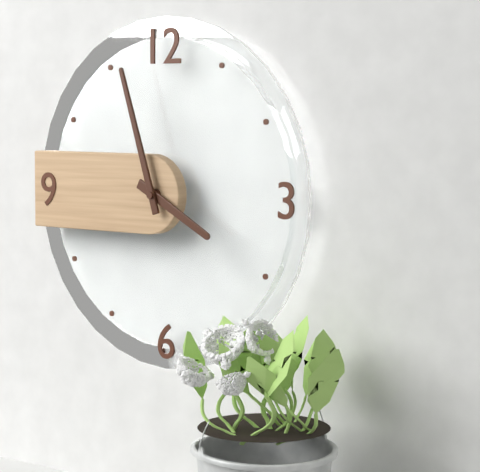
3:57
